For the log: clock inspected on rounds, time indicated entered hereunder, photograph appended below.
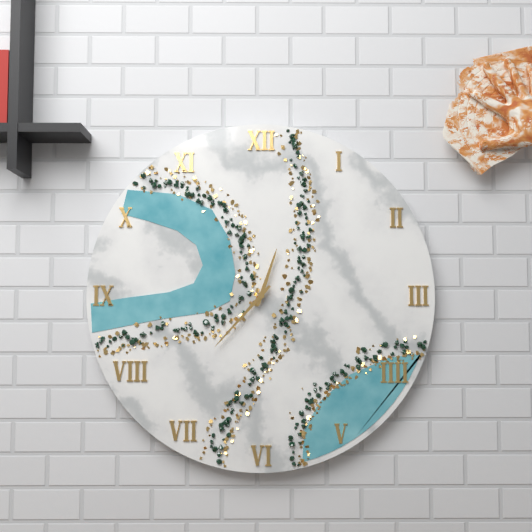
12:37
